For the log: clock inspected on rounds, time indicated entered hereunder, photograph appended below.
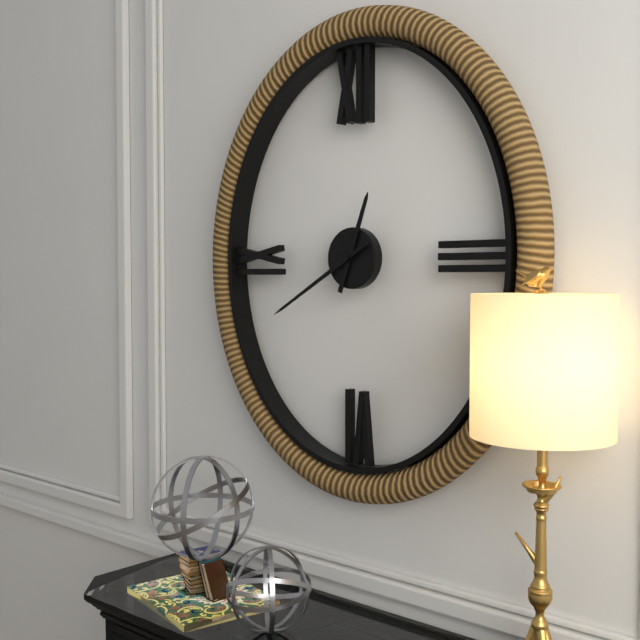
12:40
